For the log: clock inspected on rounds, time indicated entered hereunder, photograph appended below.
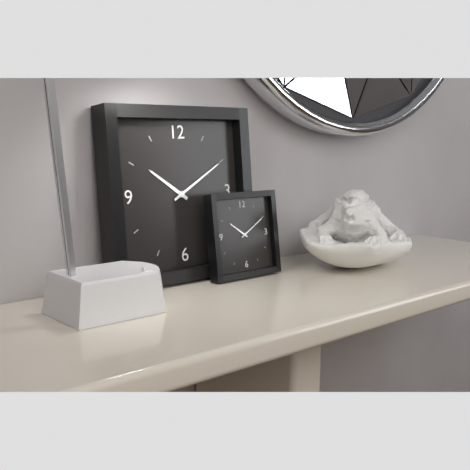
10:10
